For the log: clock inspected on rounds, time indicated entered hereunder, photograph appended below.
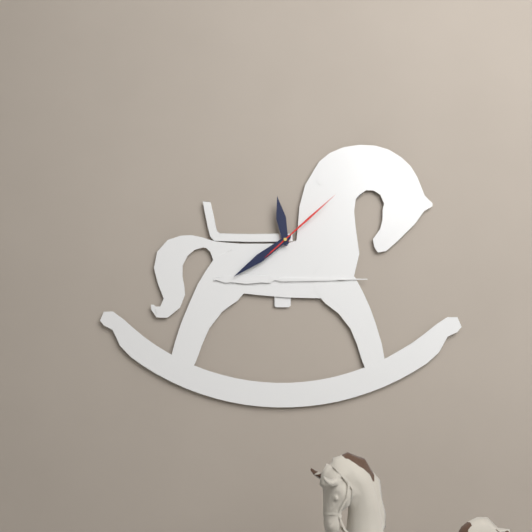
11:39:08
